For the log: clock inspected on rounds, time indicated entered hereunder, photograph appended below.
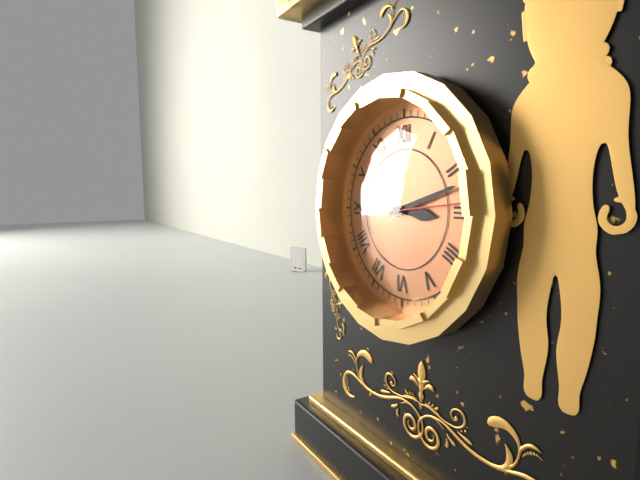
3:12:14
